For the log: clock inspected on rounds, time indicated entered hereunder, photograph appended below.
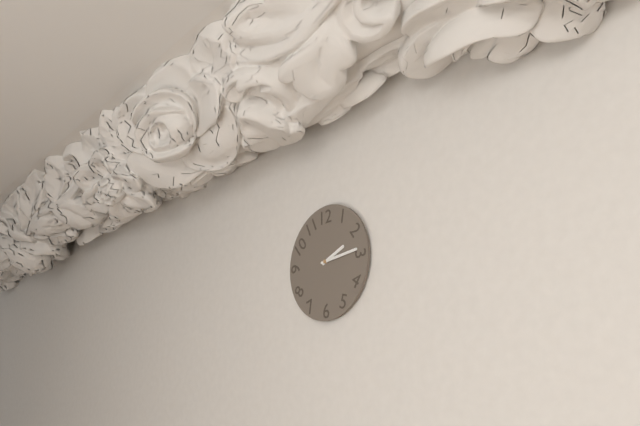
2:14
